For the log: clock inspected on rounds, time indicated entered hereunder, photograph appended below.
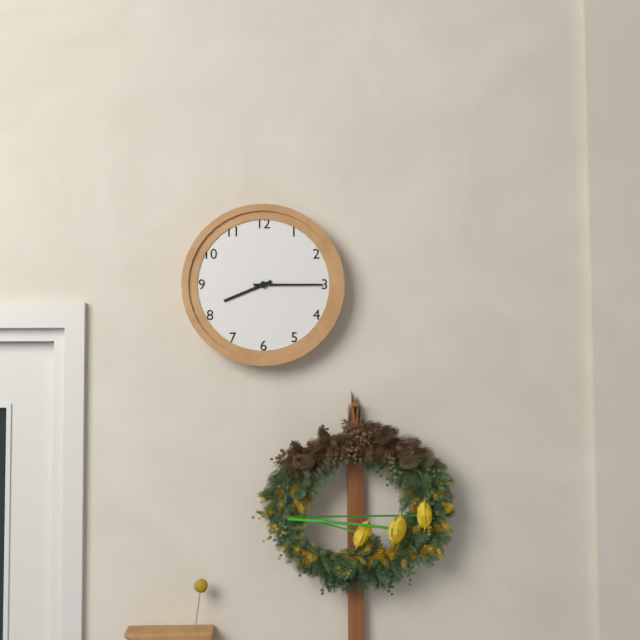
8:15
